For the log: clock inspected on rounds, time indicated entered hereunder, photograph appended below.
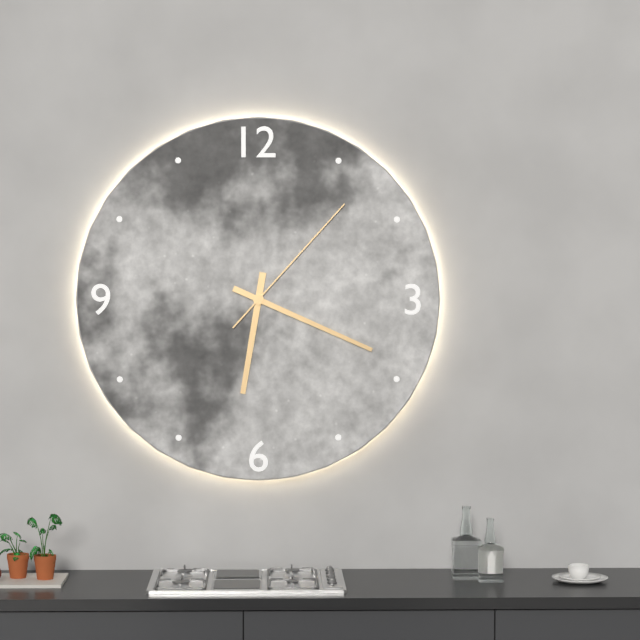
6:19:07
